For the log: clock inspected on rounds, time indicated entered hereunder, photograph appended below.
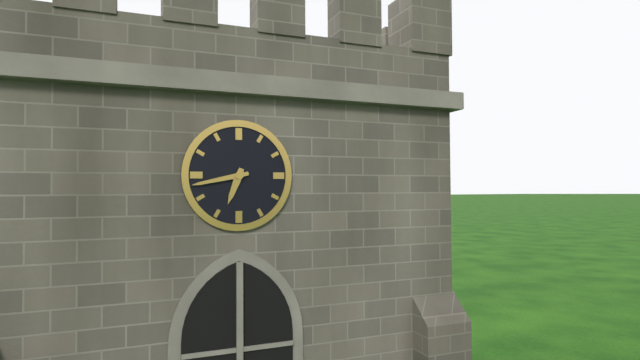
6:43
